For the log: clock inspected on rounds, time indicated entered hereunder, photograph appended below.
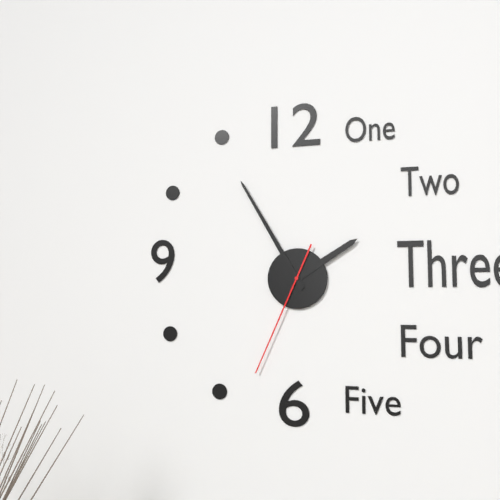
1:55:34
